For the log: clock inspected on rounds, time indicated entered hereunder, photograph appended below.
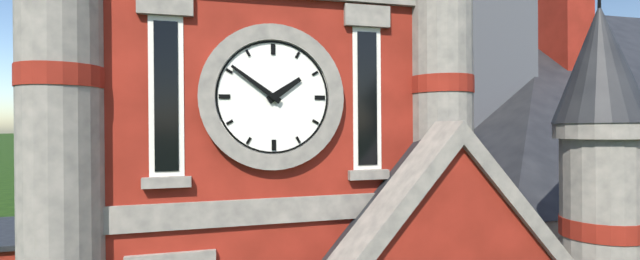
1:51
